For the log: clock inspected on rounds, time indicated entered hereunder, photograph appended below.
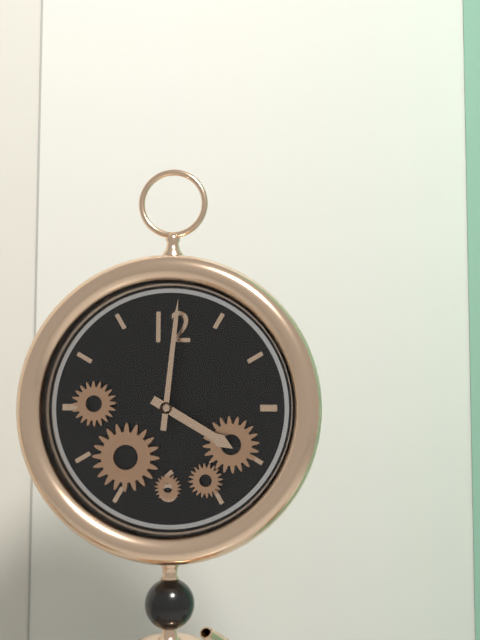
4:01
